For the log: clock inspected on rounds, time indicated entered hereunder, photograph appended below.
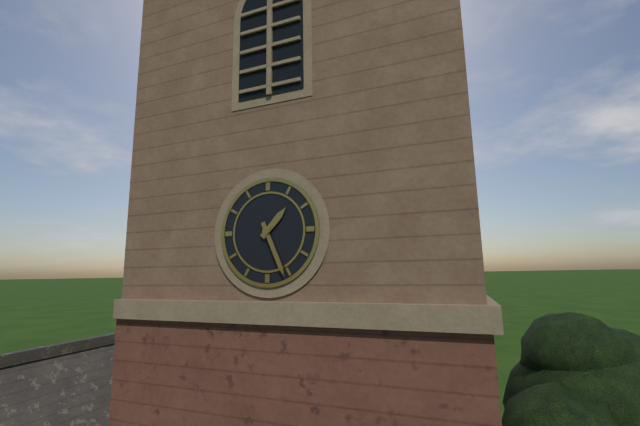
1:26
